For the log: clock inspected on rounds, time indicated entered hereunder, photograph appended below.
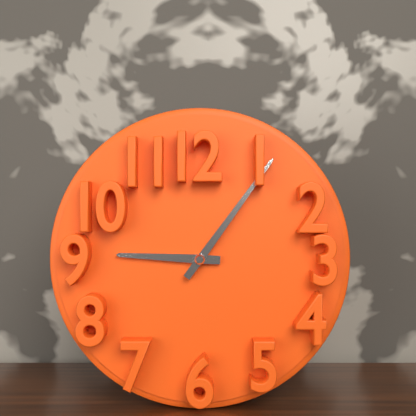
9:06
